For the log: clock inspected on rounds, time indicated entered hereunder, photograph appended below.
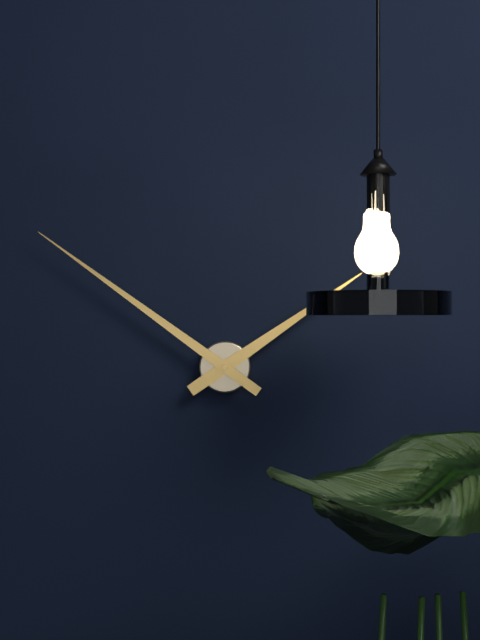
1:51
